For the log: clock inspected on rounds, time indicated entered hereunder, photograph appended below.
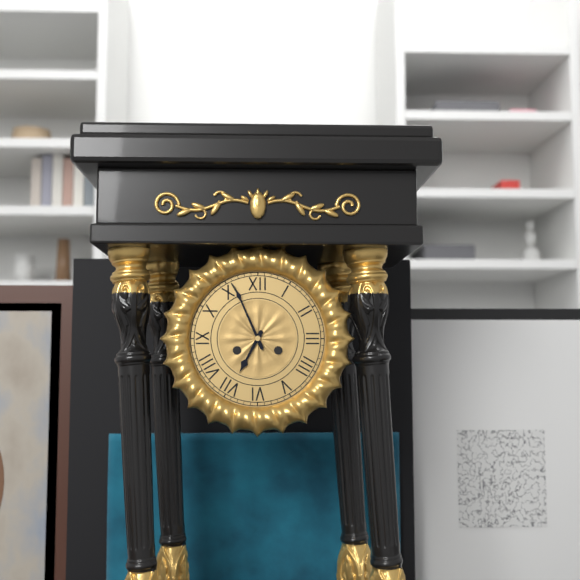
6:56
